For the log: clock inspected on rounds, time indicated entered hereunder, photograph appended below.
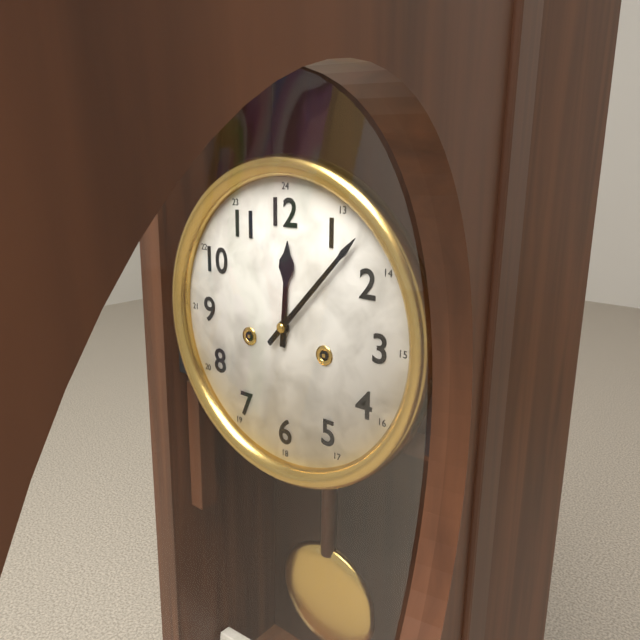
12:07
